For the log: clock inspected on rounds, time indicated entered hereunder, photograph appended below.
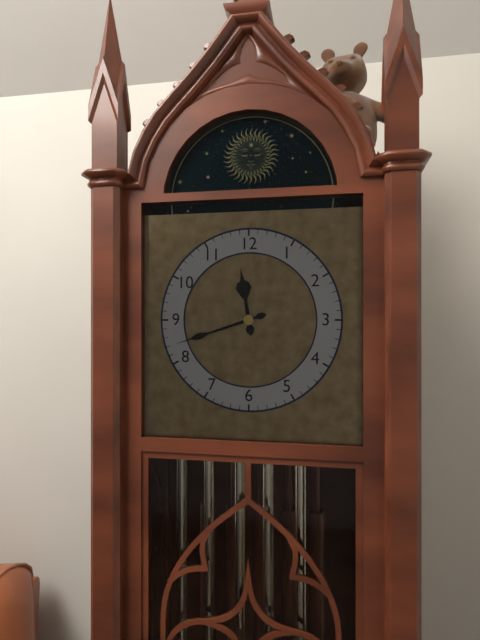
11:42
